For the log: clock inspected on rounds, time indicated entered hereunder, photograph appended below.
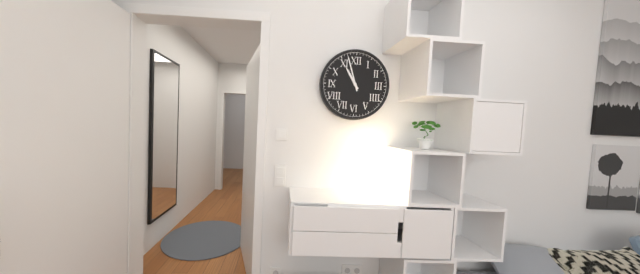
10:57
